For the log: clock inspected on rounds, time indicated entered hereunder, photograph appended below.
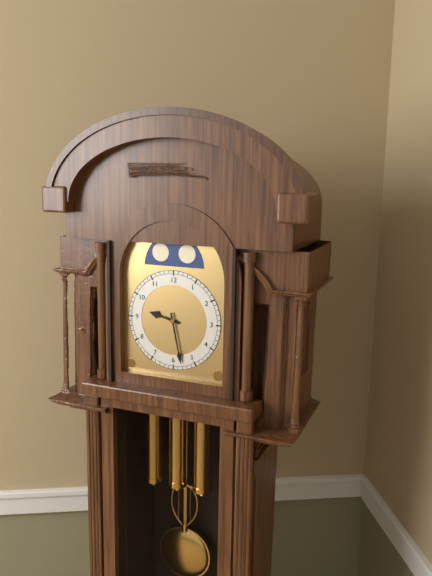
9:28
